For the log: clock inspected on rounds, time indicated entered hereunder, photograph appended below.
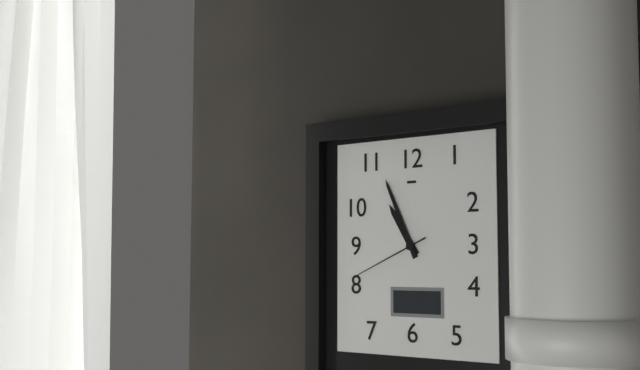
10:56:41
